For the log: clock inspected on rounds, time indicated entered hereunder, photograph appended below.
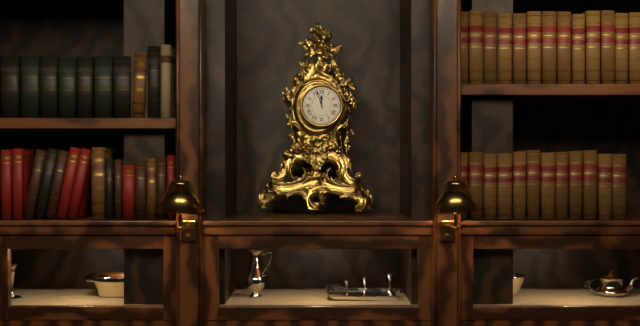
11:57
